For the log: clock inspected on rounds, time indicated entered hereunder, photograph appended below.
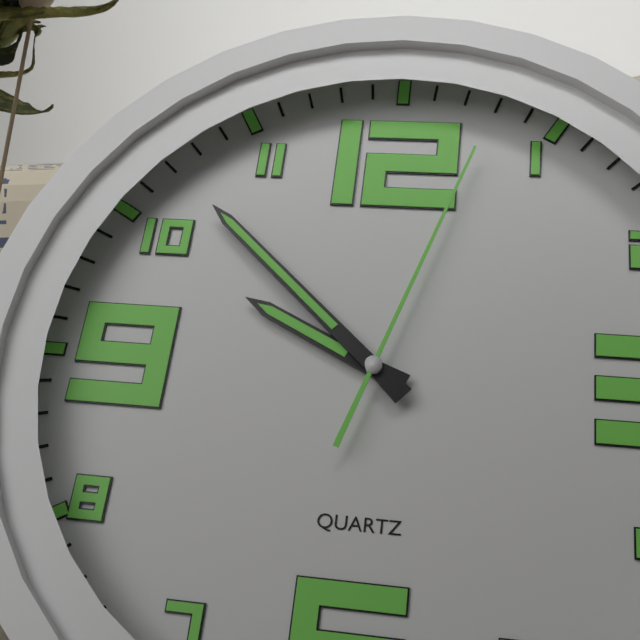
9:52:03
